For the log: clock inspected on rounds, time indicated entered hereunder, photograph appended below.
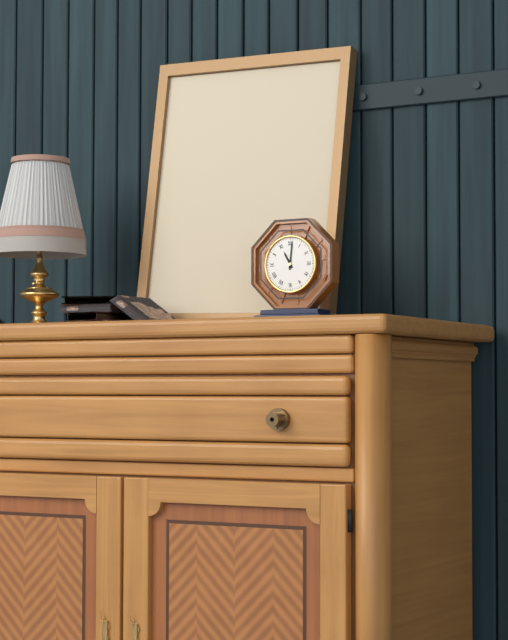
11:01
